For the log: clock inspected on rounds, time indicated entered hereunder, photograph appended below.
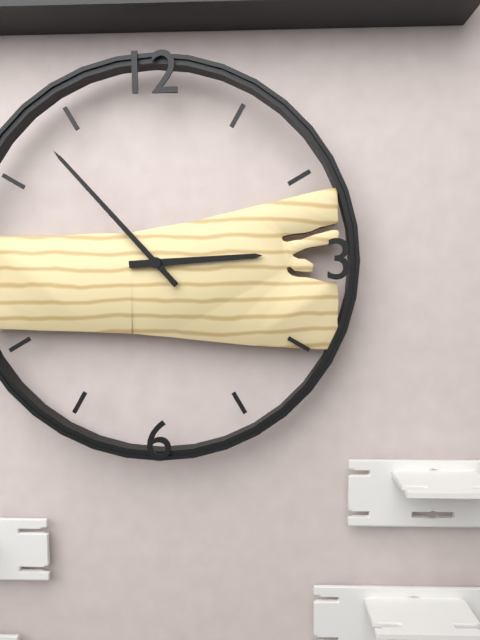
2:53
